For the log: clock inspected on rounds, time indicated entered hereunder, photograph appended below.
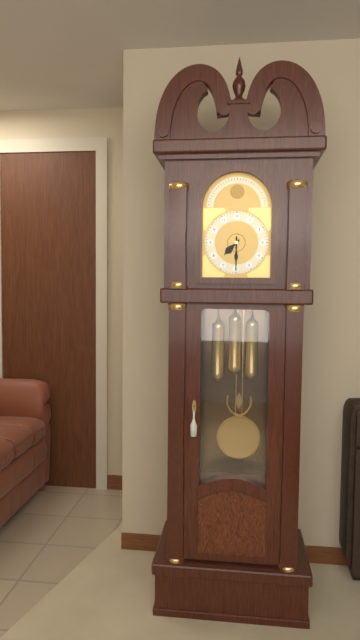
7:30
